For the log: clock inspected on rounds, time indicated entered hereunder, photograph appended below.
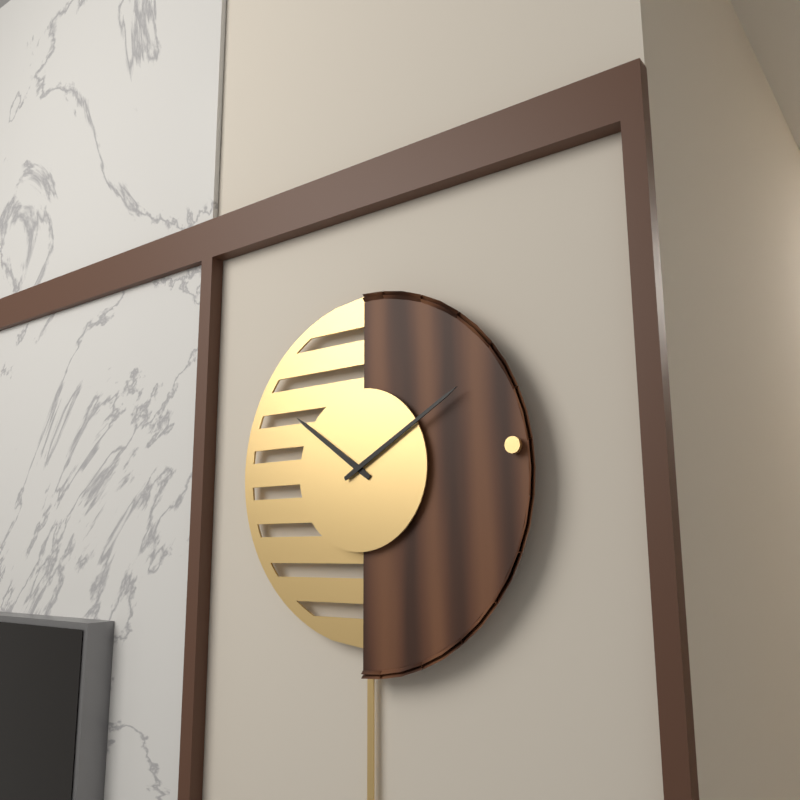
10:10
